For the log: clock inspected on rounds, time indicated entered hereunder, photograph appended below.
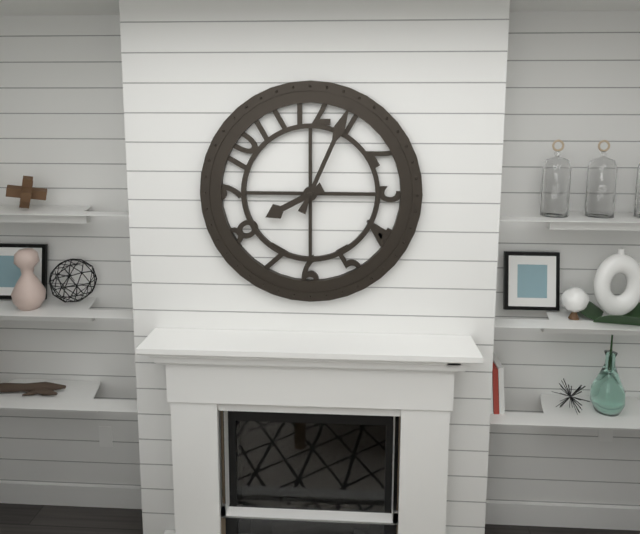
8:04
